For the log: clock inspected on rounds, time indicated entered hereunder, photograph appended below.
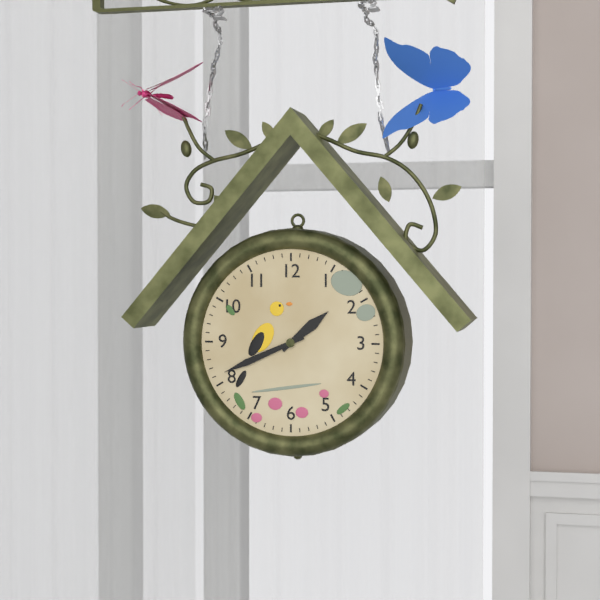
1:41
